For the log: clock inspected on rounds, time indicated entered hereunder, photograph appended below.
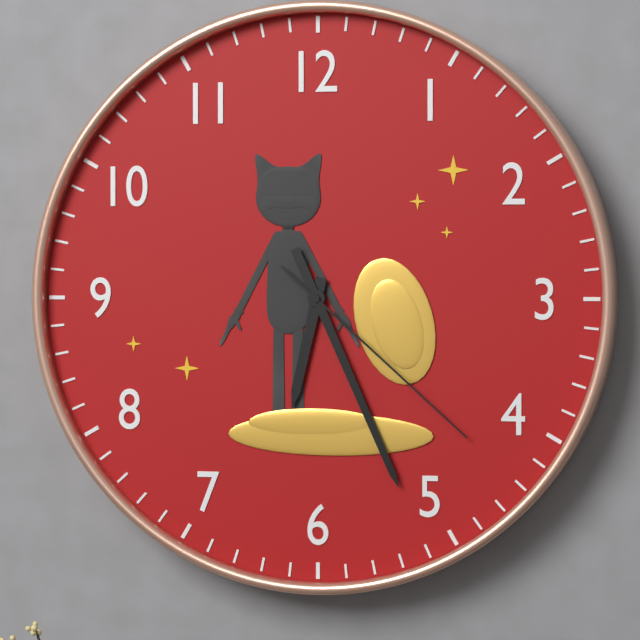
6:26:22
